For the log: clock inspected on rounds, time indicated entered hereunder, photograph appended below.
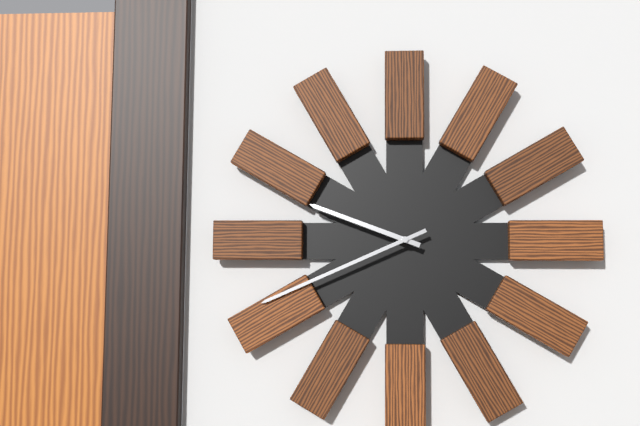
9:41
